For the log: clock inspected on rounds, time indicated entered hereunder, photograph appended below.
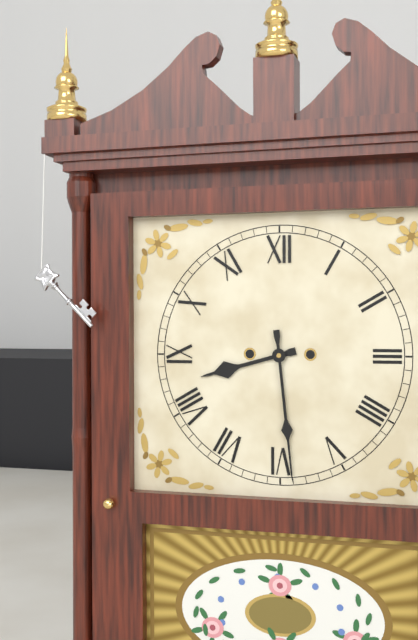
8:29
